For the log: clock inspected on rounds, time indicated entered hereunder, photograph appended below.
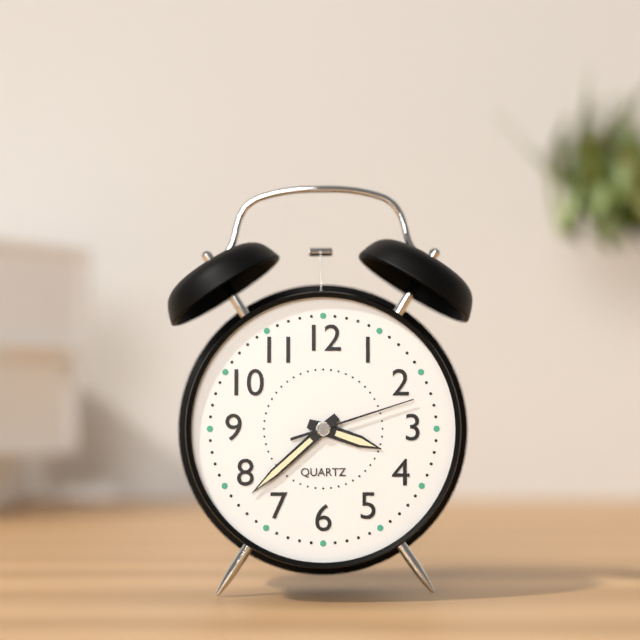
3:38:12
